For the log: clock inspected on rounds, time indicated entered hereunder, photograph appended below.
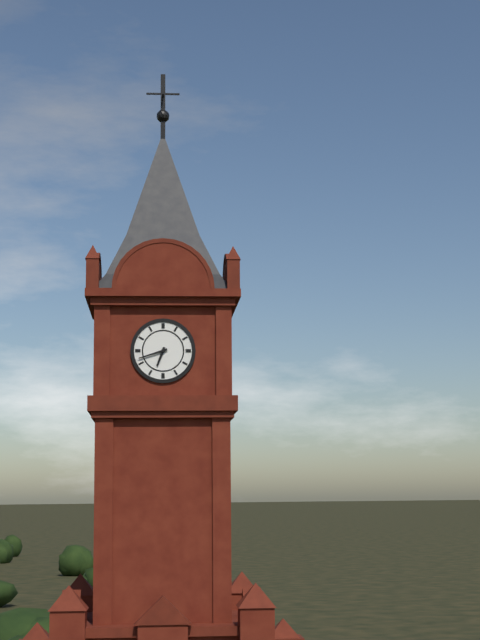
6:42
